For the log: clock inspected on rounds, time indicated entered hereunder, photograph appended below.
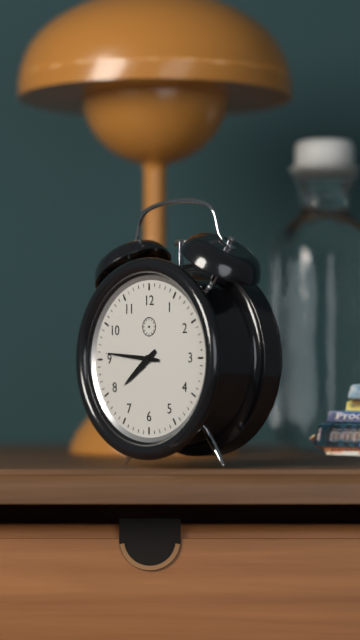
7:46
